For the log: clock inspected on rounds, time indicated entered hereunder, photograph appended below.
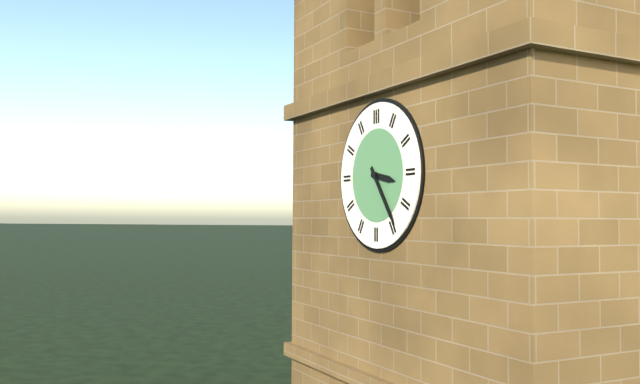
3:24
